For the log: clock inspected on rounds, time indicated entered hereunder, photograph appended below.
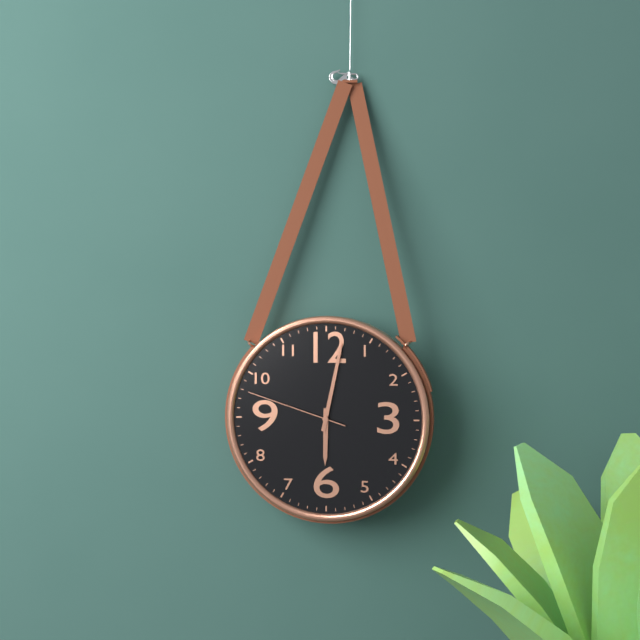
6:02:48
